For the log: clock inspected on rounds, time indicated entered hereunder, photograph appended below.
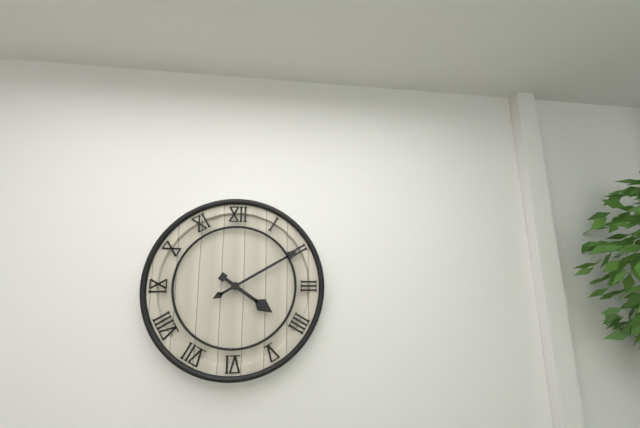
4:10
